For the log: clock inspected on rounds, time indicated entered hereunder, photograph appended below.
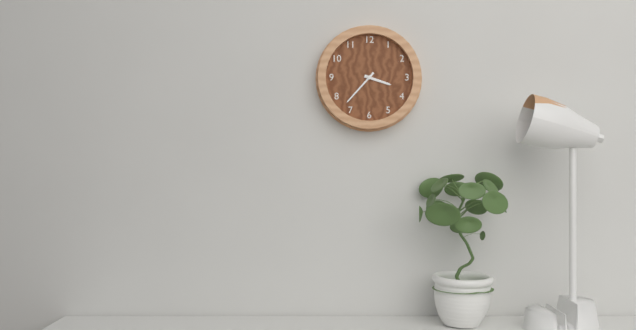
3:37
